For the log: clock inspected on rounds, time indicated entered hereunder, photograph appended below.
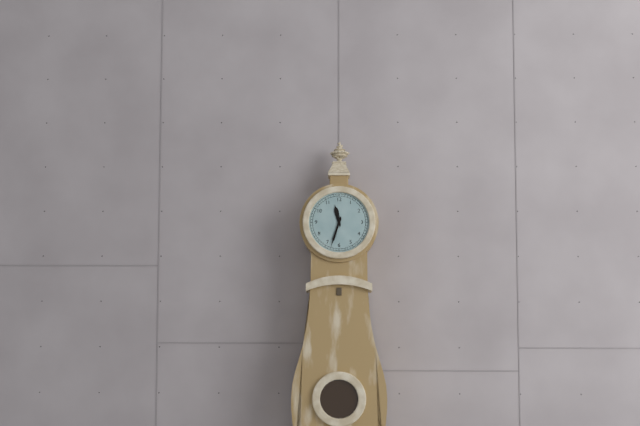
11:33
